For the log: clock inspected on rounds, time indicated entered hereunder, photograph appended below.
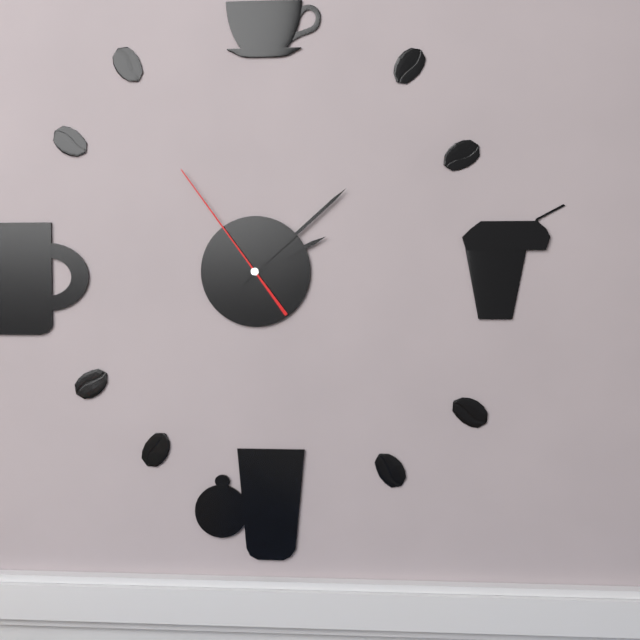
2:08:54
